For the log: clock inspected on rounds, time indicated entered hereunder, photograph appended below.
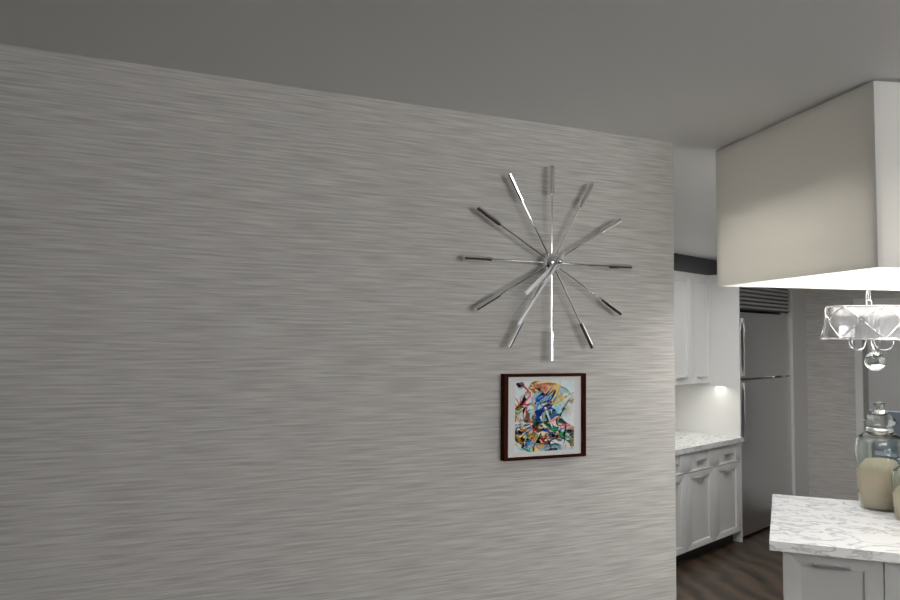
7:36
